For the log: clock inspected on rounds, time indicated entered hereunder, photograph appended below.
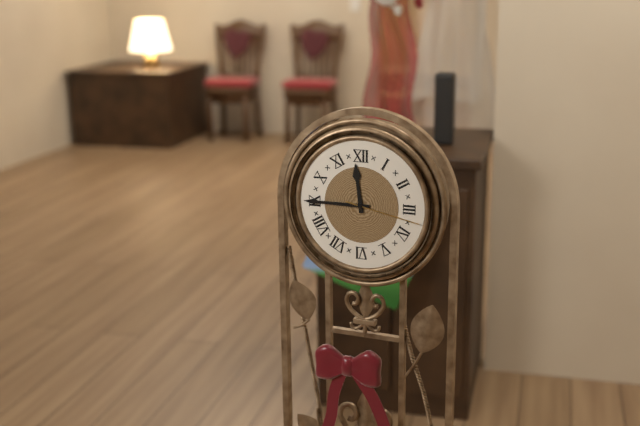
11:45:17
